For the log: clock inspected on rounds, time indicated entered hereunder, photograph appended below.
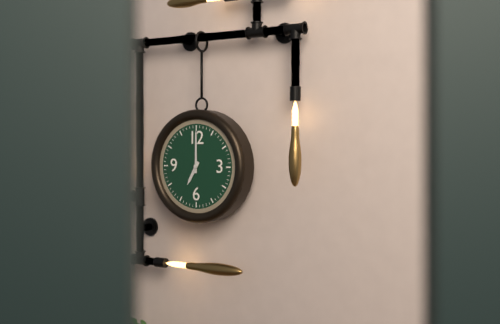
7:00
